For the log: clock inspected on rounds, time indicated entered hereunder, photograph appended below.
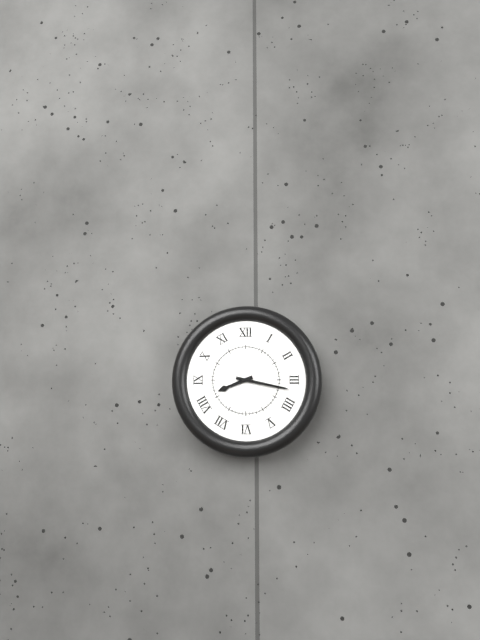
8:17
